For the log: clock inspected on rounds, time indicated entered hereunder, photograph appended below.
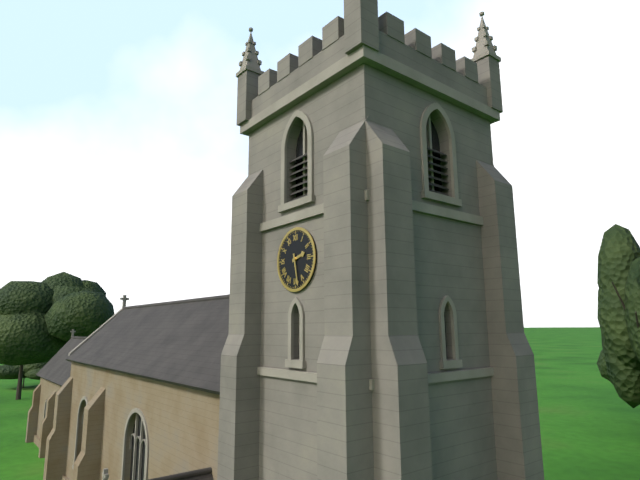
2:28
